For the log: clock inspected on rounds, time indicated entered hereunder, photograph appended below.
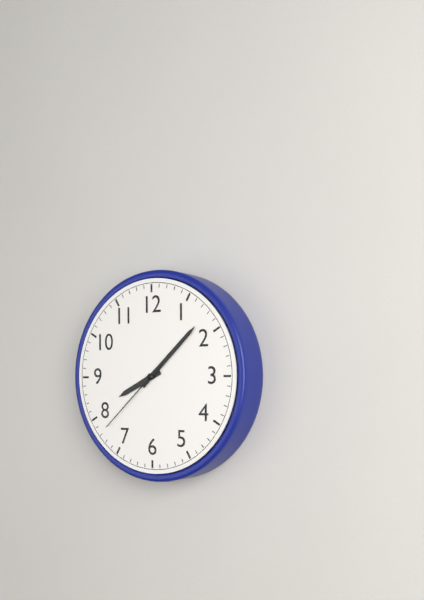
8:08:38
